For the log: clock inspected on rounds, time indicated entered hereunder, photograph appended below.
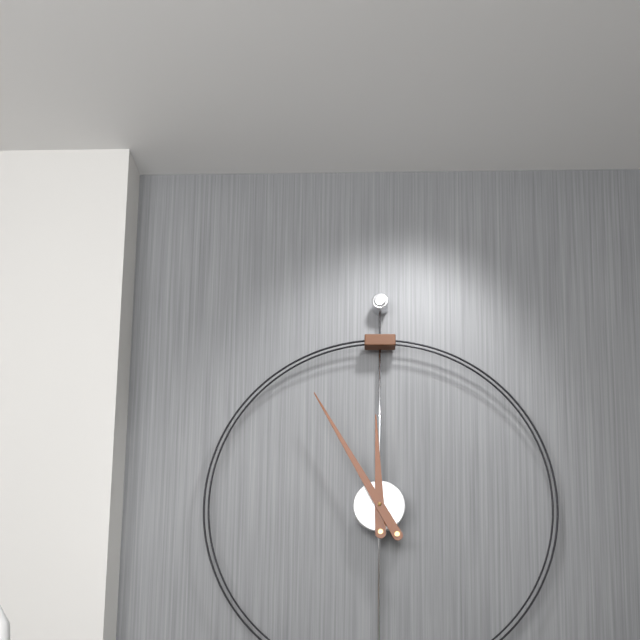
11:55
